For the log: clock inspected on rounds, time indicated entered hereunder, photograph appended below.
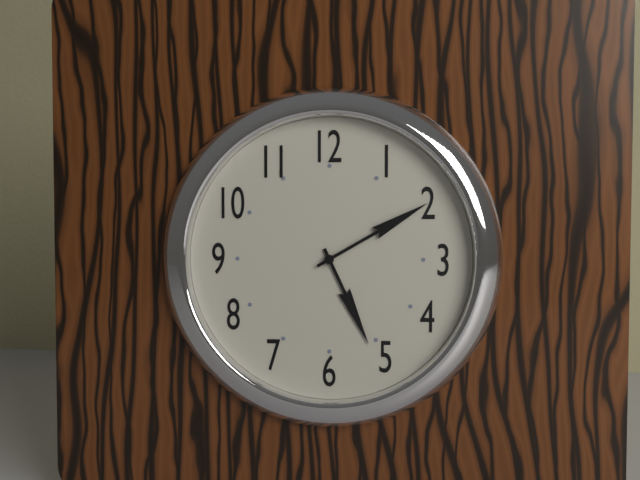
5:10
